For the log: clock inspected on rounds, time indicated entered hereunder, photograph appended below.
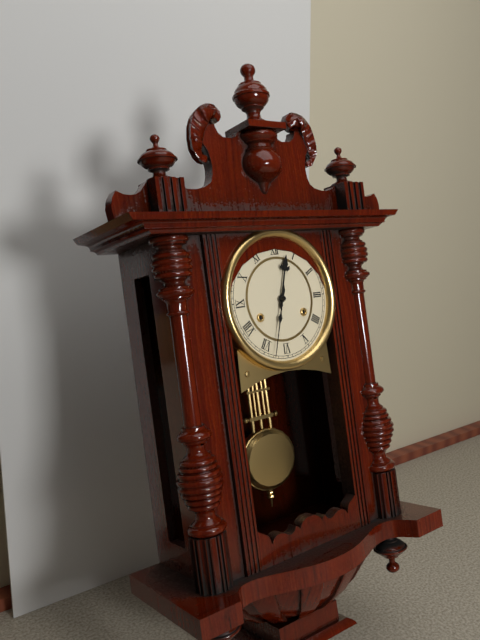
12:33
